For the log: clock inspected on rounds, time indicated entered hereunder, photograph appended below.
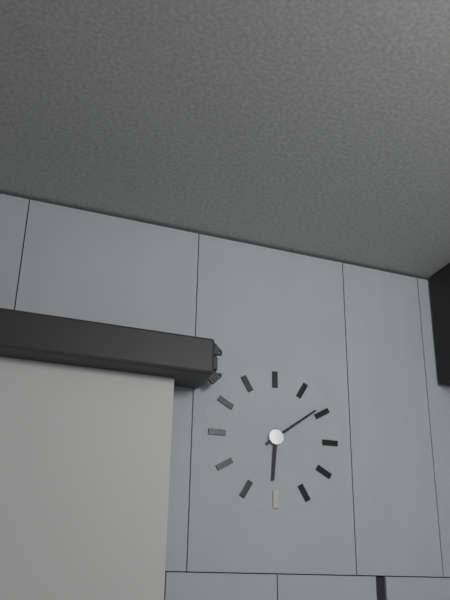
6:09
